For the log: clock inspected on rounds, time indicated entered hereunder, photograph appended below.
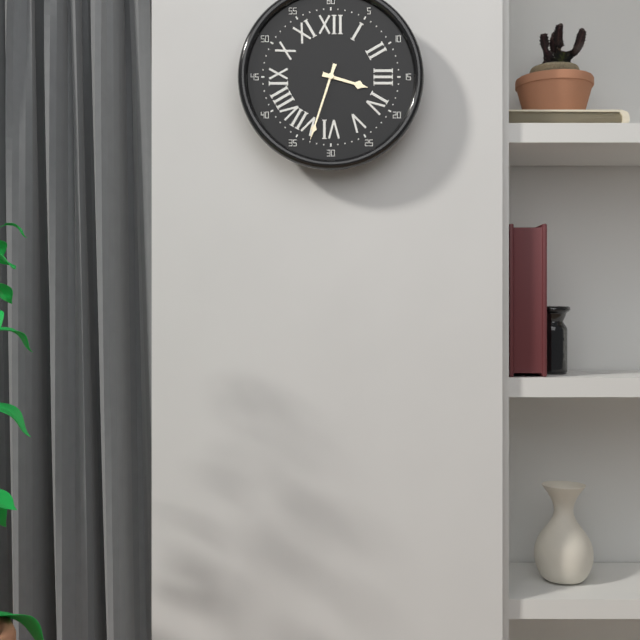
3:33
